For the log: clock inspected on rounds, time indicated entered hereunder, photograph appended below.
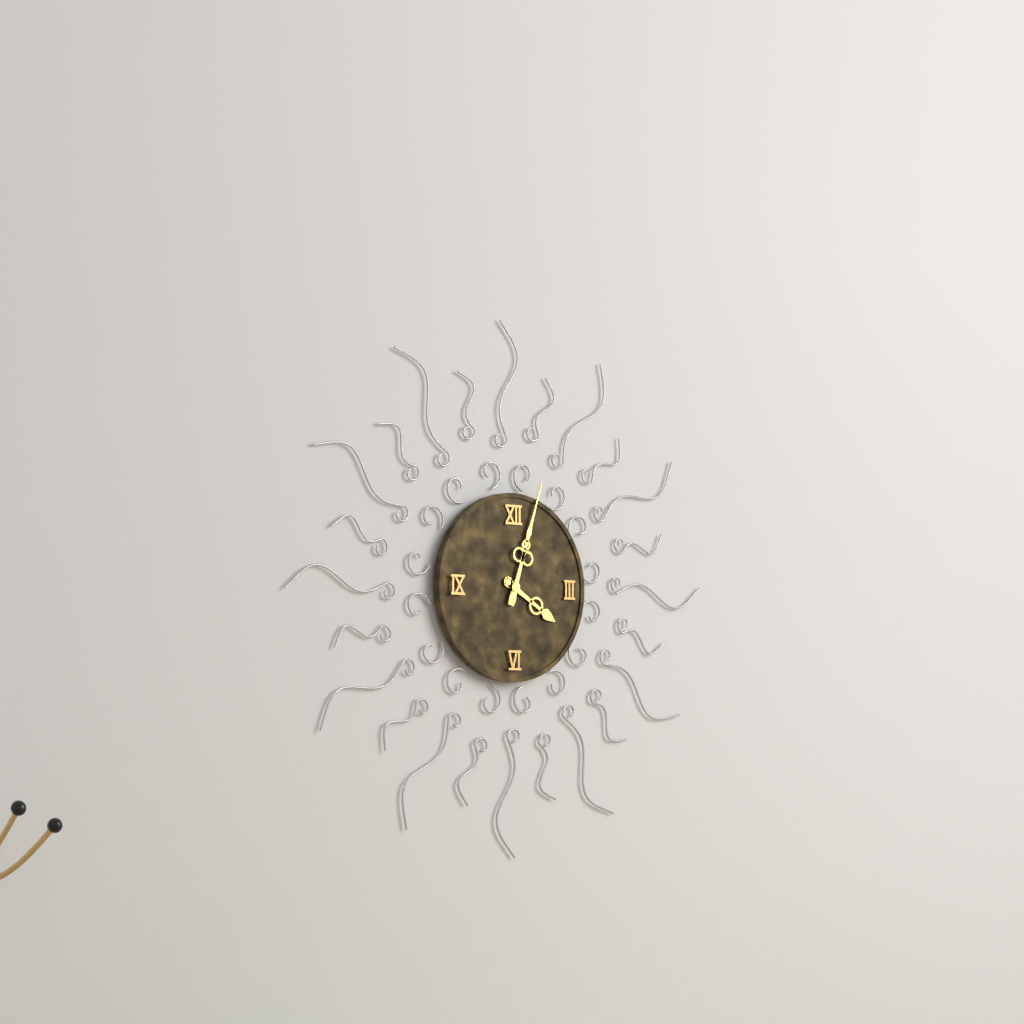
4:03
